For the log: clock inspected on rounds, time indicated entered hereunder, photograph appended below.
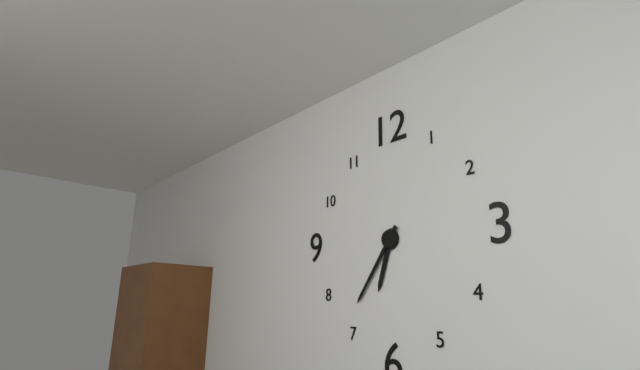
6:36
